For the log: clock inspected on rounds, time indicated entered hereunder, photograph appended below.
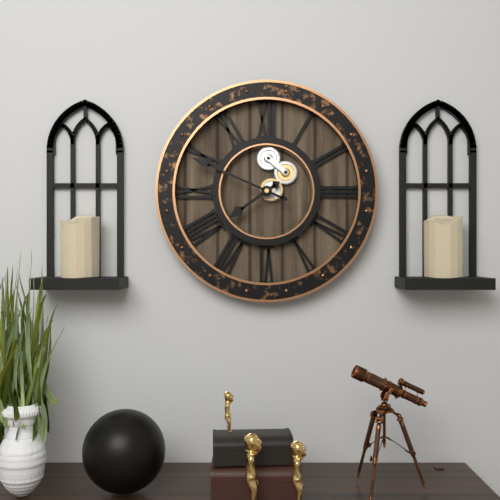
7:49
